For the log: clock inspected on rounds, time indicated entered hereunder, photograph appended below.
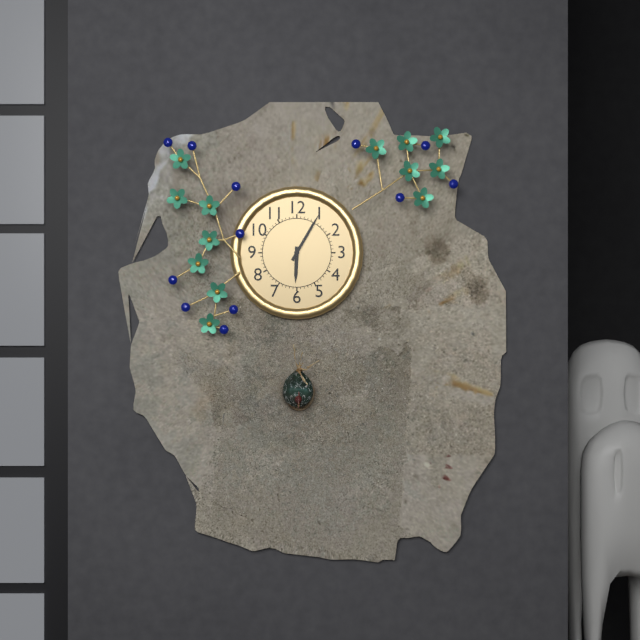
6:05
